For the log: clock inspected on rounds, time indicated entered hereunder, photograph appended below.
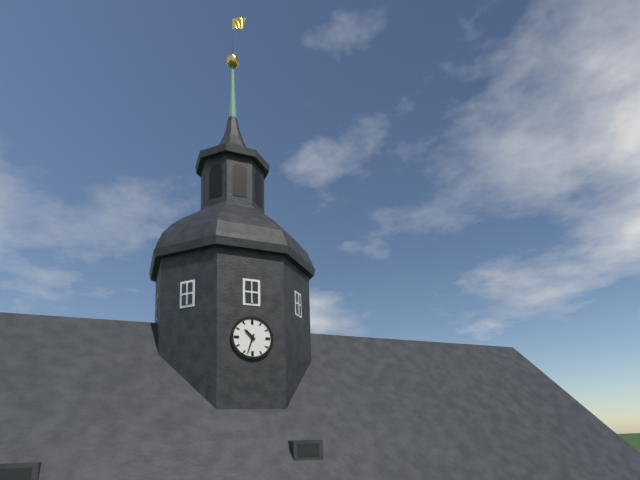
10:33
